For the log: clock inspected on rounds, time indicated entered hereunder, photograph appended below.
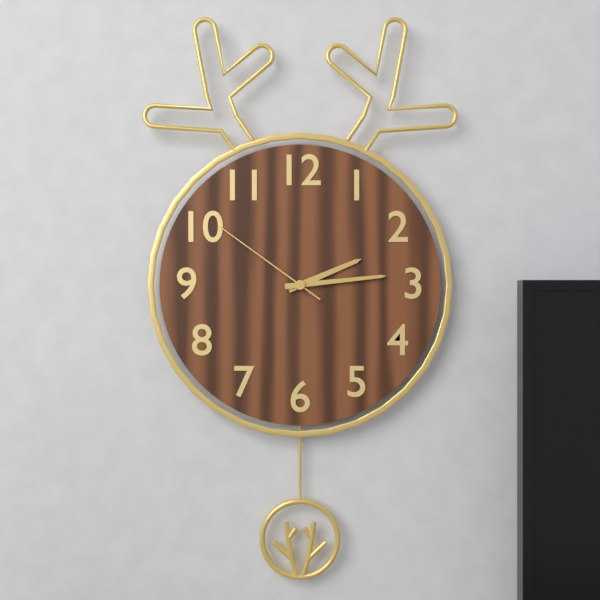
2:14:51
